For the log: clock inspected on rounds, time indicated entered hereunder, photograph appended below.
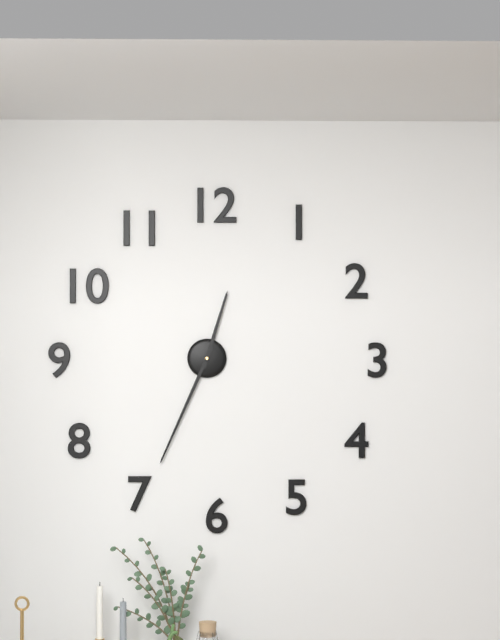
12:34
